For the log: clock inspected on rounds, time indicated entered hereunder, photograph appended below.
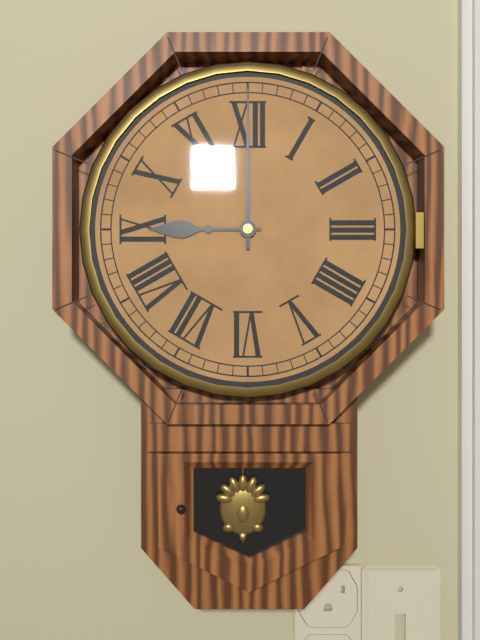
9:00
